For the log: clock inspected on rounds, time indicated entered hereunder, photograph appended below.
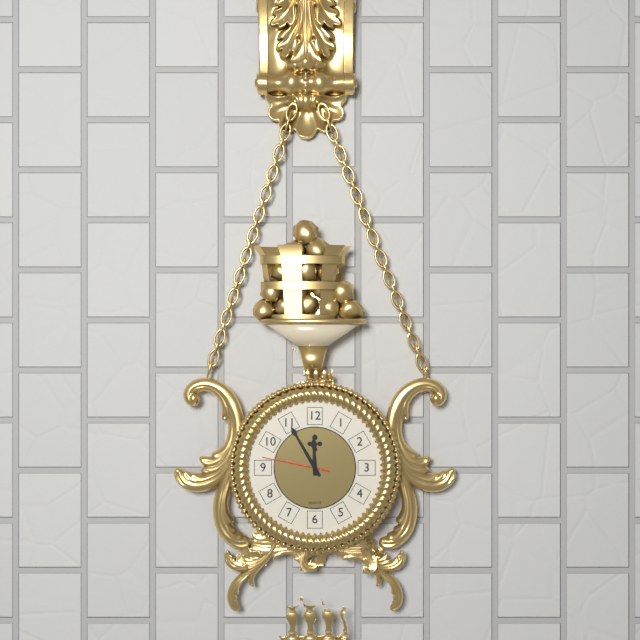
11:55:47
